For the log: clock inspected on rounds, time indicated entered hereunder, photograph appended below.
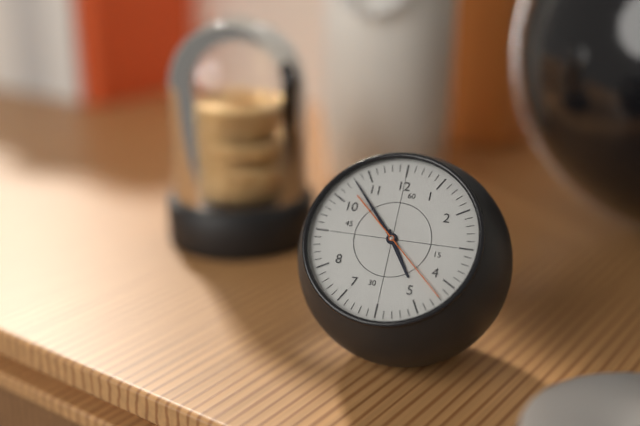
4:53:22
